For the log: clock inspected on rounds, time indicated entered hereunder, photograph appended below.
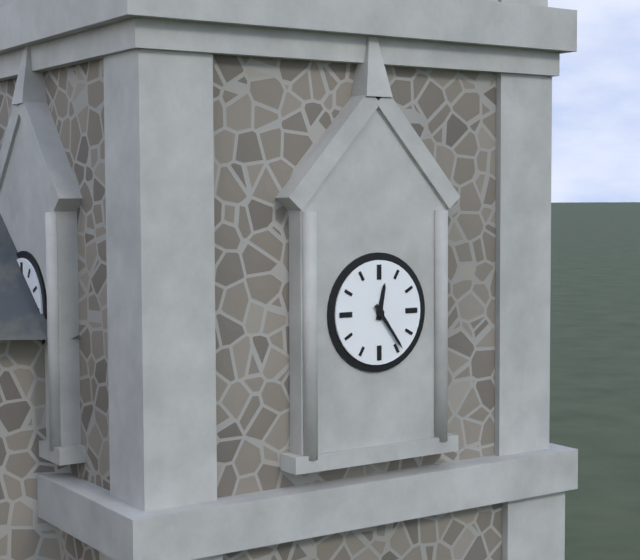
12:24
